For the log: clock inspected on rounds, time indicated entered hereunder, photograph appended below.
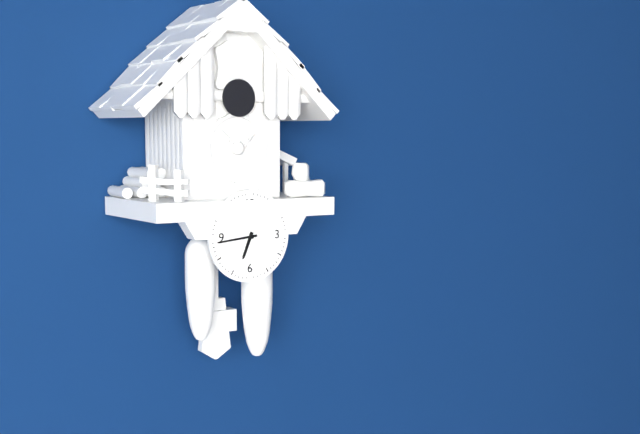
6:44
